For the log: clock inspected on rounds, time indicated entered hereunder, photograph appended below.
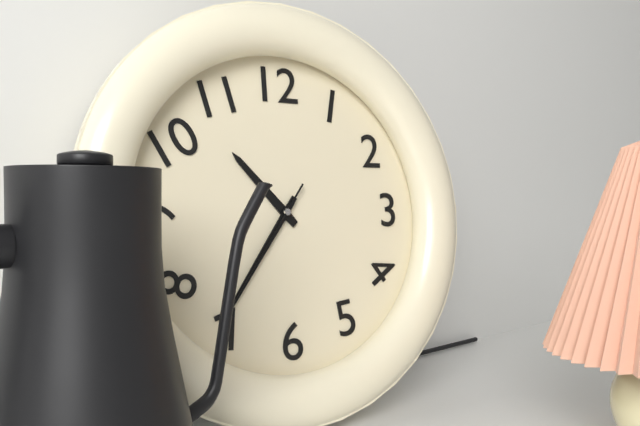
10:36:36
